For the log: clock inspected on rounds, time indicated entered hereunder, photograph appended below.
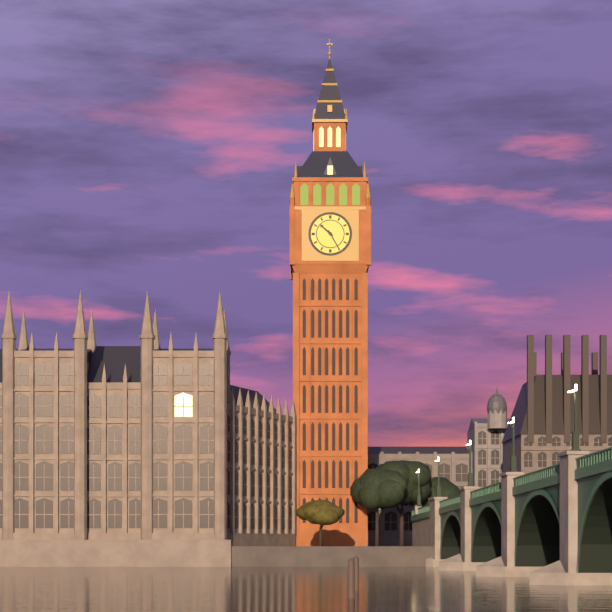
10:25
